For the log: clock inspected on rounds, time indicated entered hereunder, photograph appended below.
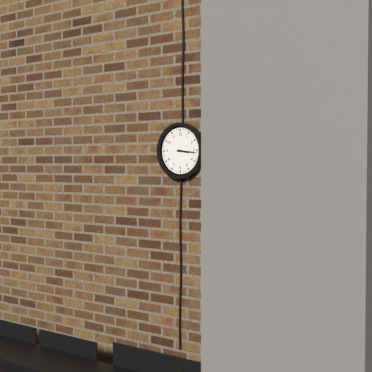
3:16
